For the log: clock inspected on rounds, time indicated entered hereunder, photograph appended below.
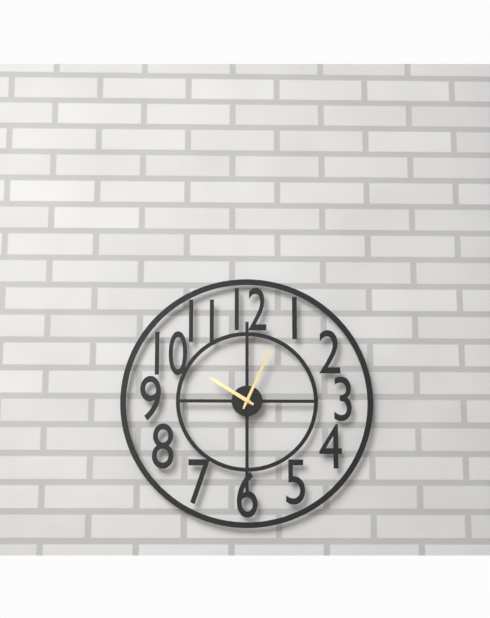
10:04
